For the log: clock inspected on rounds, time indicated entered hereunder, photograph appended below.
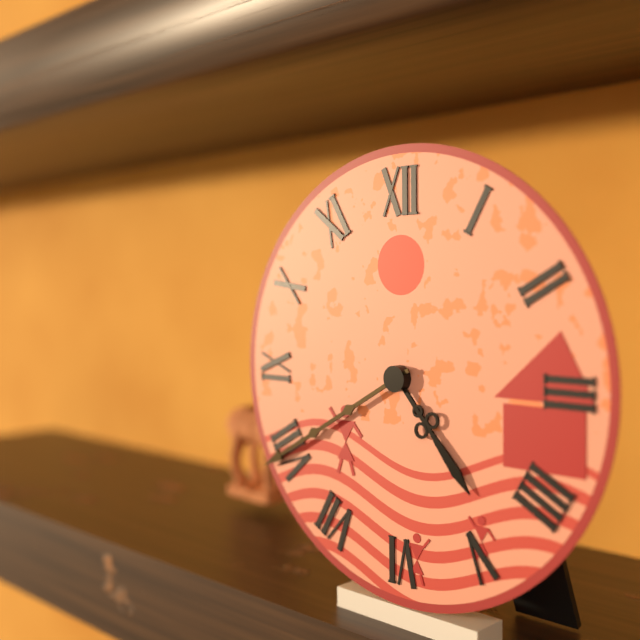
4:40
